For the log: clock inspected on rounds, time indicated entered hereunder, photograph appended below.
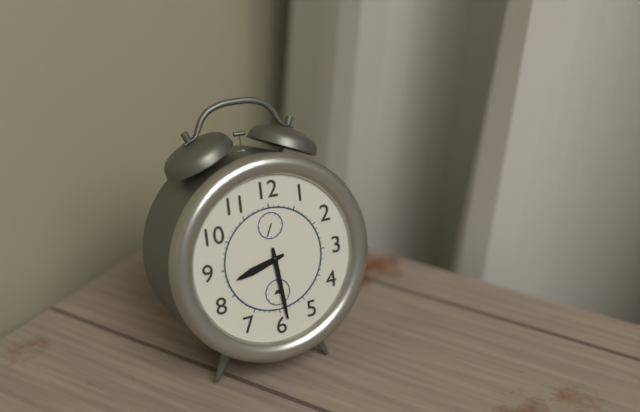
8:29
